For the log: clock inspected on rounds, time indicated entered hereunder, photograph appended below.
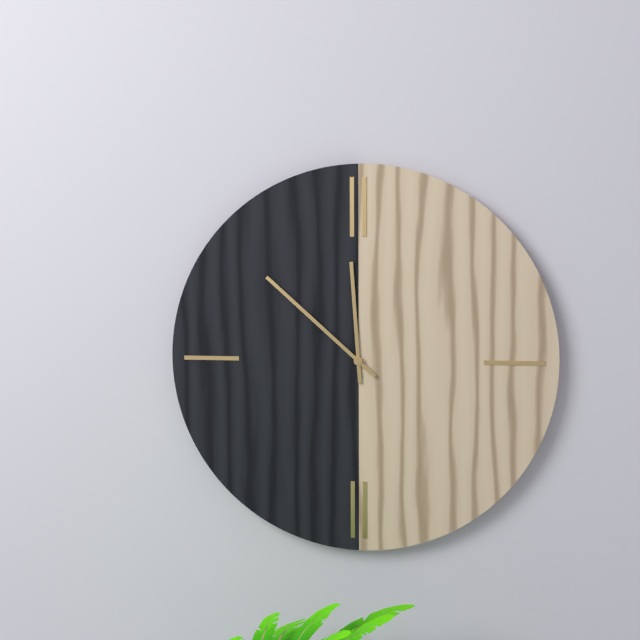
11:52
